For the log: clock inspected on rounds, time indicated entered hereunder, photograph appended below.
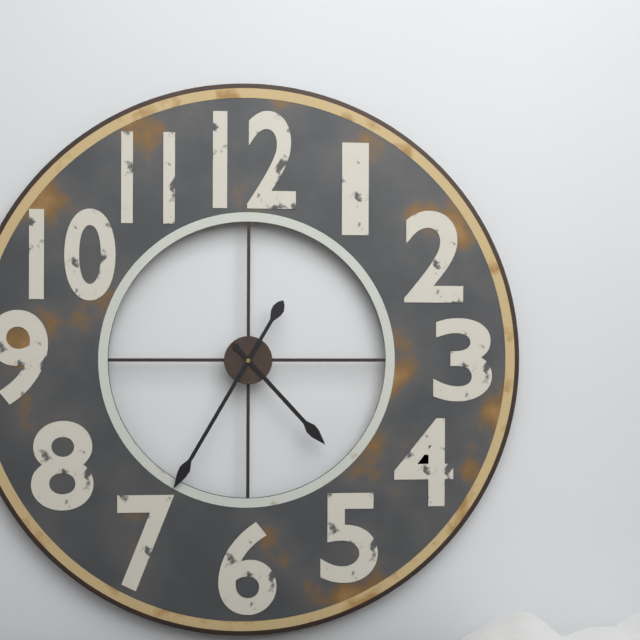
4:35
